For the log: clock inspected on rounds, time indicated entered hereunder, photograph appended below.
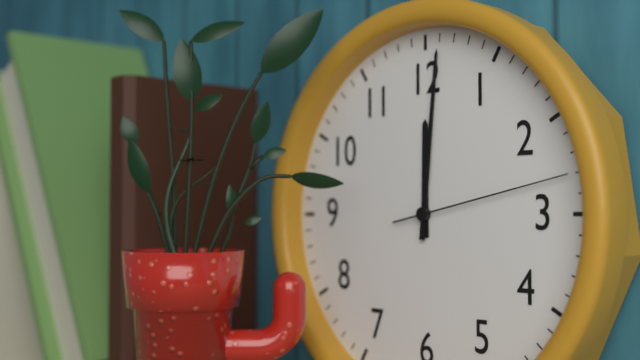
12:01:13
